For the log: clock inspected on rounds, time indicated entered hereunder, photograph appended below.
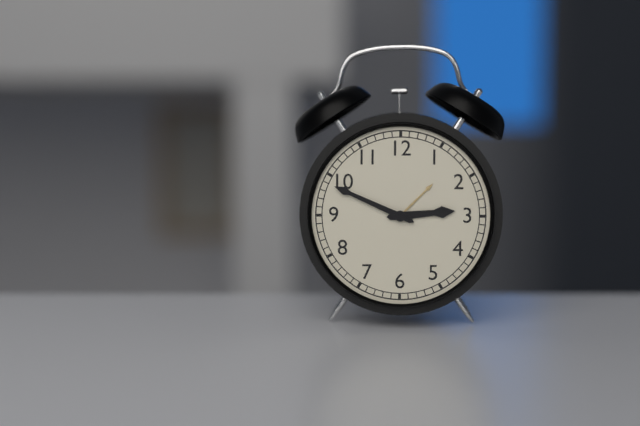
2:49
